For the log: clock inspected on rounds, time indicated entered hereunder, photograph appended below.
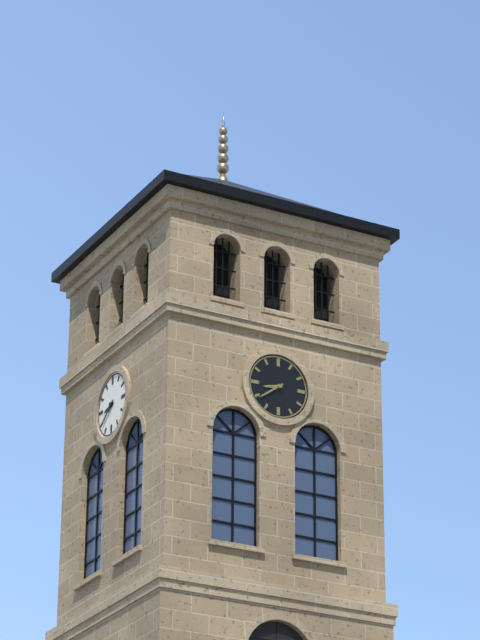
8:39
